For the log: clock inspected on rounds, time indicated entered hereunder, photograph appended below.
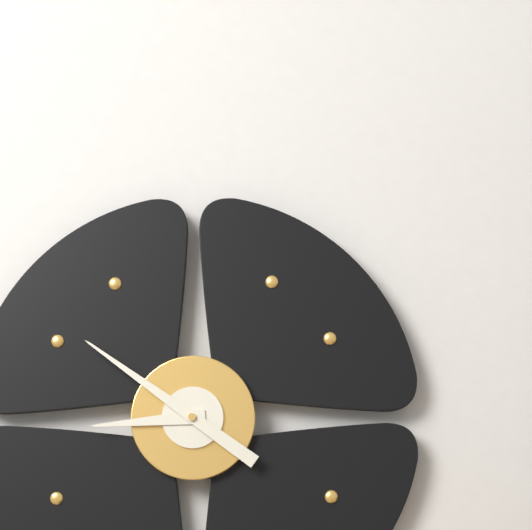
8:51
